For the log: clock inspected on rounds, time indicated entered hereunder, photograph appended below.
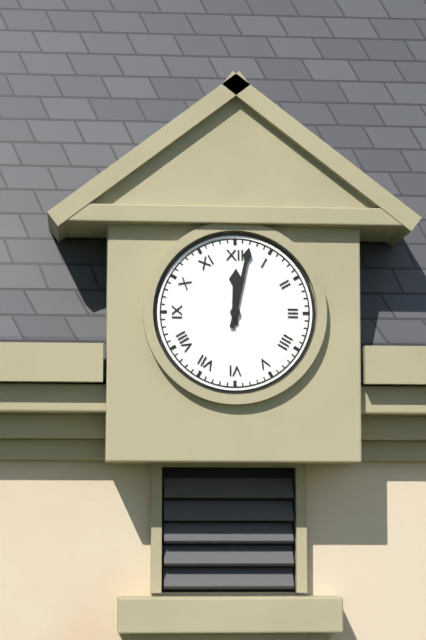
12:02
